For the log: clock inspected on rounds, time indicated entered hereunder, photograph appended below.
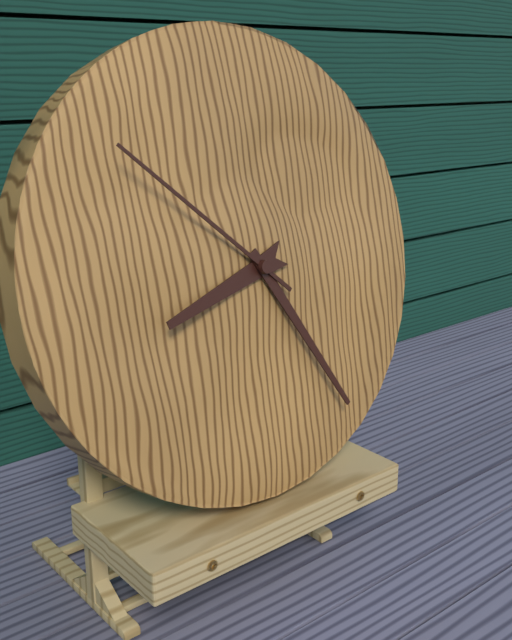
8:25:52
